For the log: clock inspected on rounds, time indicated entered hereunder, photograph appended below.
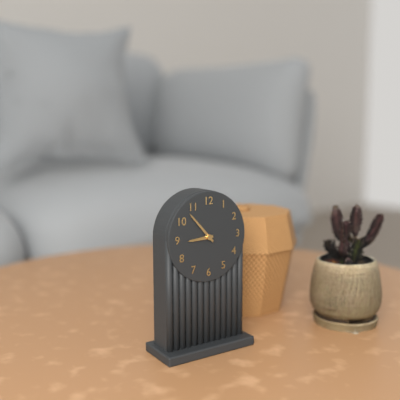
8:53
